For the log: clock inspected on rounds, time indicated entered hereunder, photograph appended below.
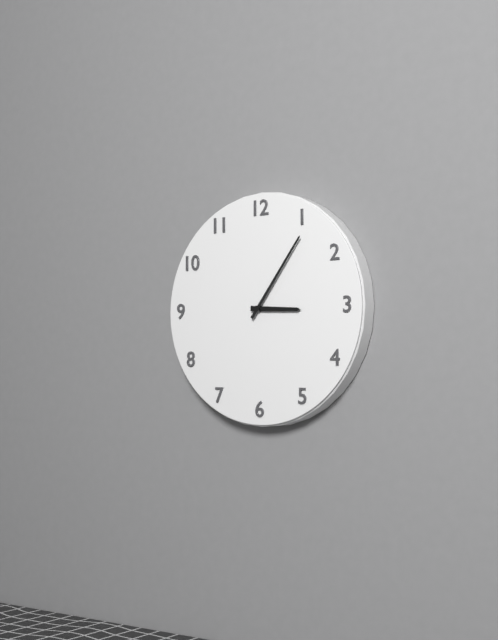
3:06
